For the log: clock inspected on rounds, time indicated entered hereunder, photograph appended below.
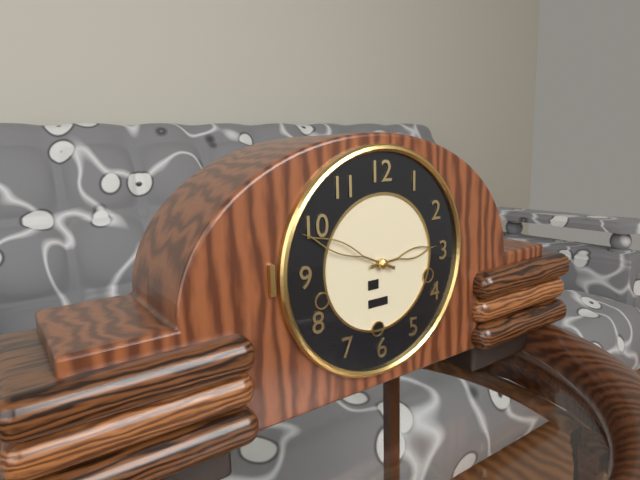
2:49
